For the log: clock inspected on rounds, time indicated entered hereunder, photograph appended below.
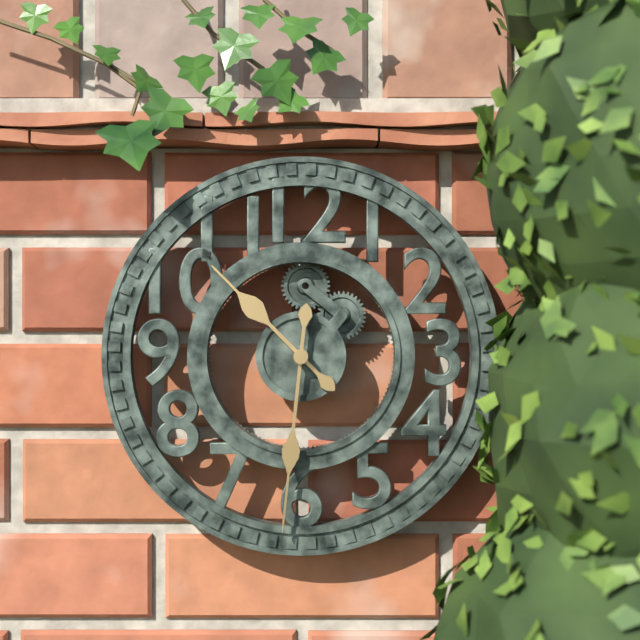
10:31
